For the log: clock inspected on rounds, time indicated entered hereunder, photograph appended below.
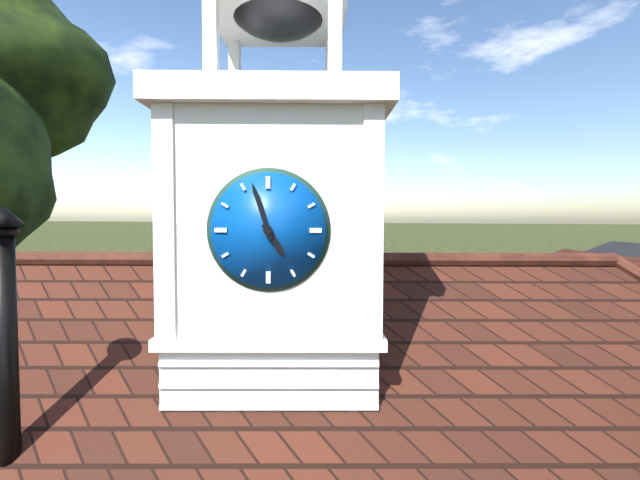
4:57
